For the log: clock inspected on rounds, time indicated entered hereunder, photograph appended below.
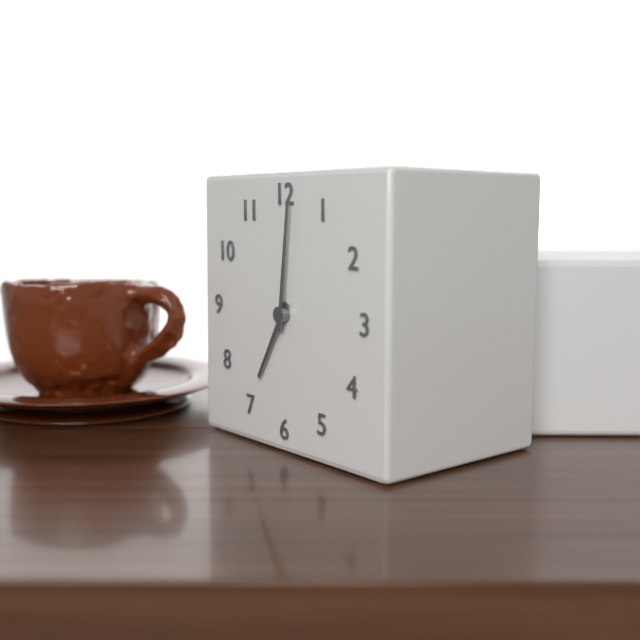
7:01
